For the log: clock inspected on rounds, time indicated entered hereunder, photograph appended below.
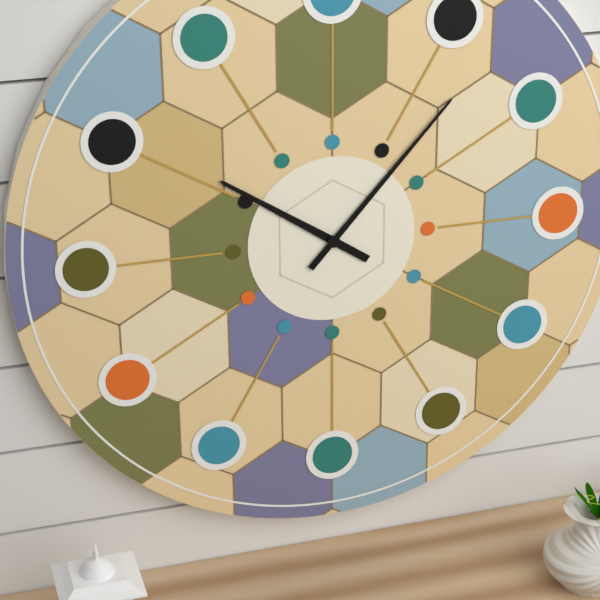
10:07
